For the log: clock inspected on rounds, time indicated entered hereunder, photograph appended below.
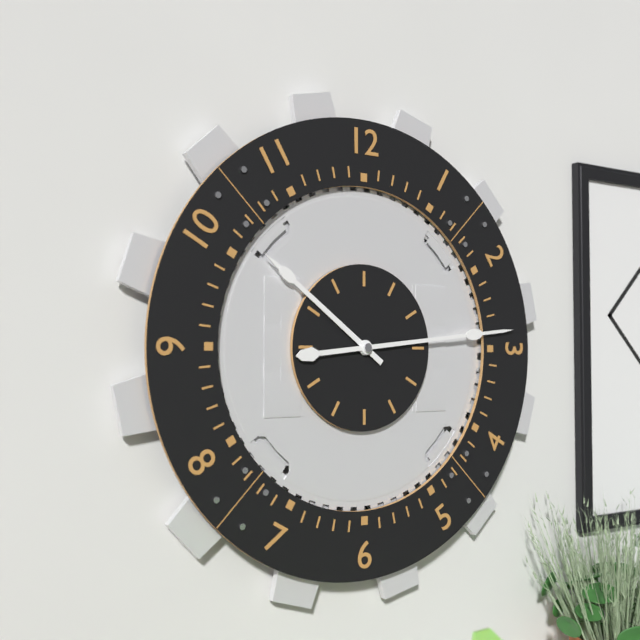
10:14
